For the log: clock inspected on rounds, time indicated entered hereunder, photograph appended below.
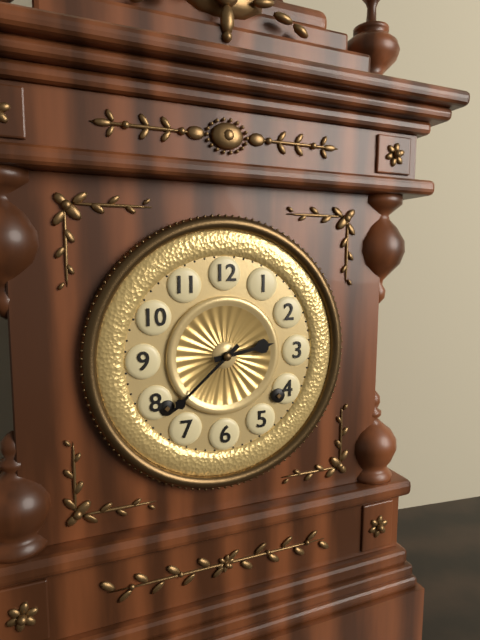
2:38
